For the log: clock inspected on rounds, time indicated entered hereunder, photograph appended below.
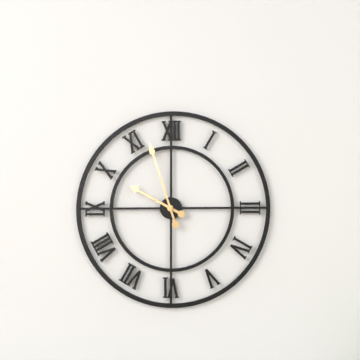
9:57
